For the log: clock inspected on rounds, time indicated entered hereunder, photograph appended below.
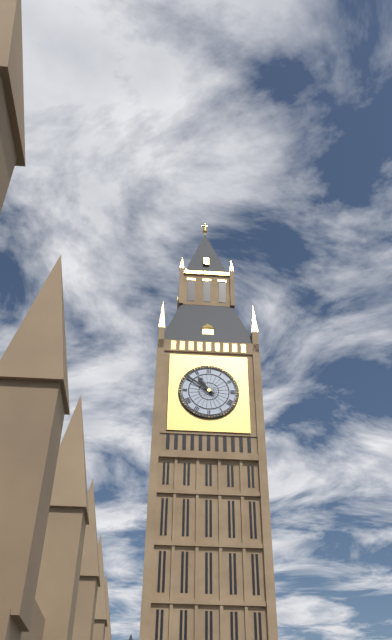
10:51
